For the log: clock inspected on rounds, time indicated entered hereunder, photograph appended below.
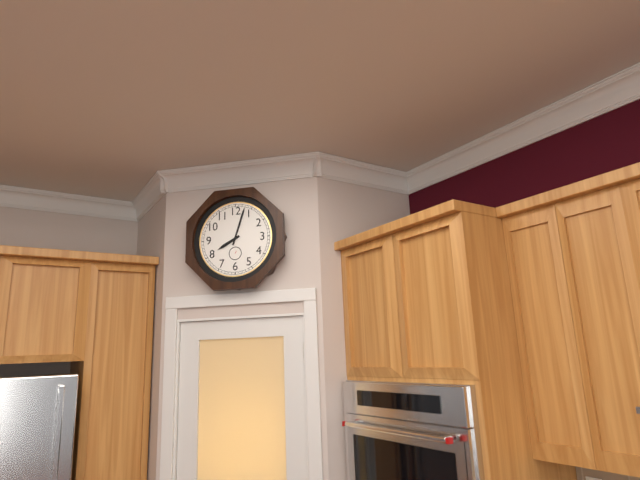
8:03
